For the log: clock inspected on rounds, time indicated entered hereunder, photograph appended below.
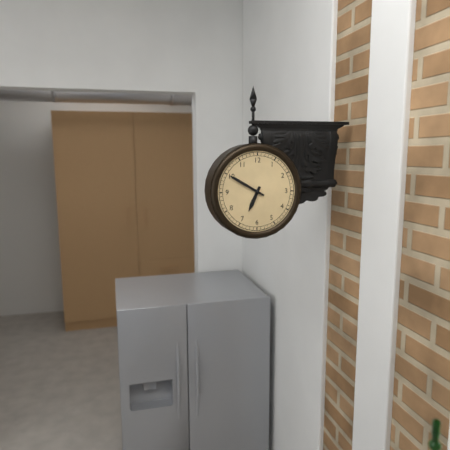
6:50
